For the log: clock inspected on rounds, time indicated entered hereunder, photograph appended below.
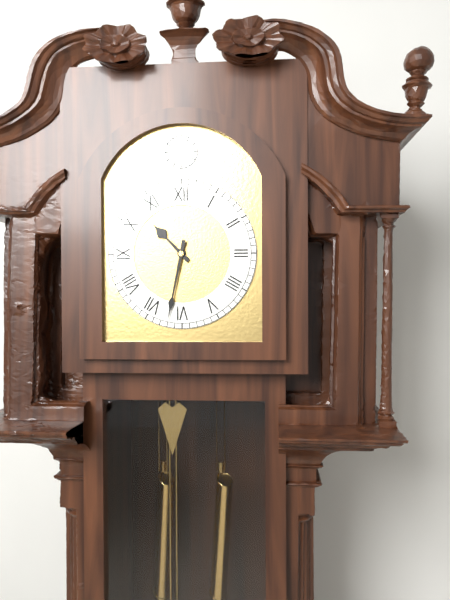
10:32
